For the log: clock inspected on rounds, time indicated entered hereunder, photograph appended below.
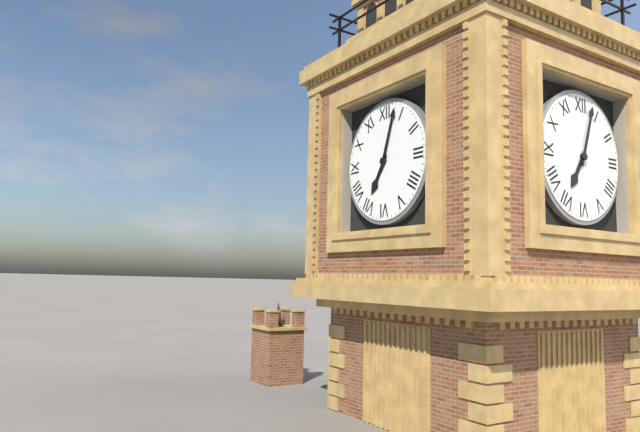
7:03
